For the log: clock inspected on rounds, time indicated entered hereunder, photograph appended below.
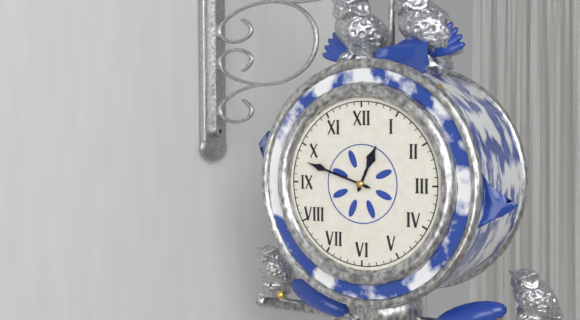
12:48
